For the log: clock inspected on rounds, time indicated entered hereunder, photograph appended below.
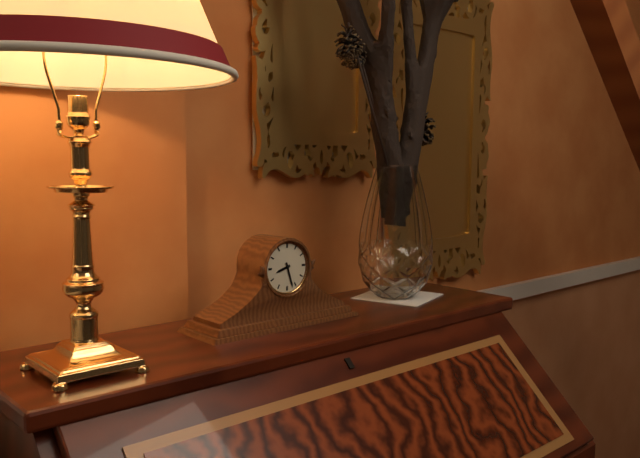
8:27
